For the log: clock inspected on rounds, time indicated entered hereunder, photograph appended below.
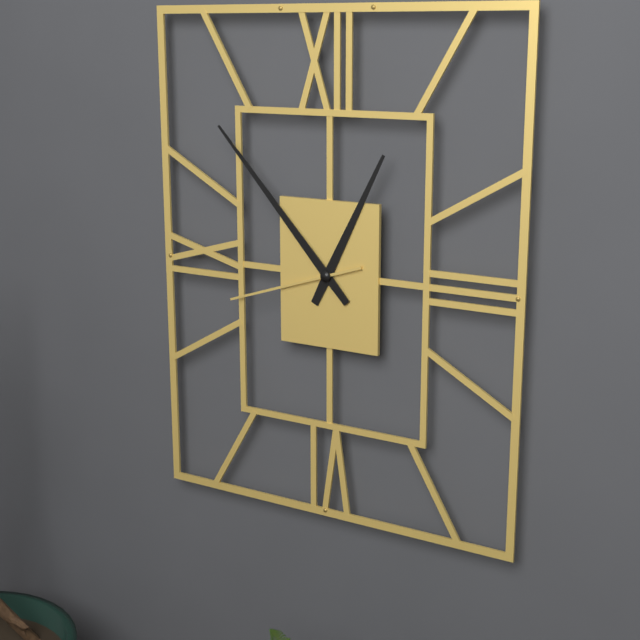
12:53:42
